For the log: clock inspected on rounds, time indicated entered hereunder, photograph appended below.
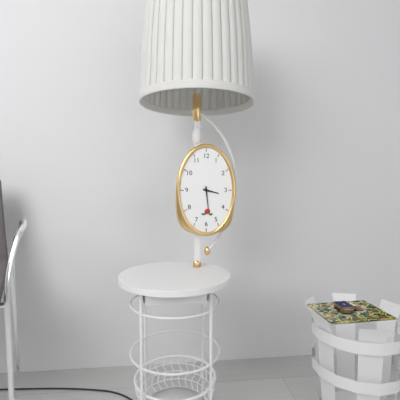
3:29
